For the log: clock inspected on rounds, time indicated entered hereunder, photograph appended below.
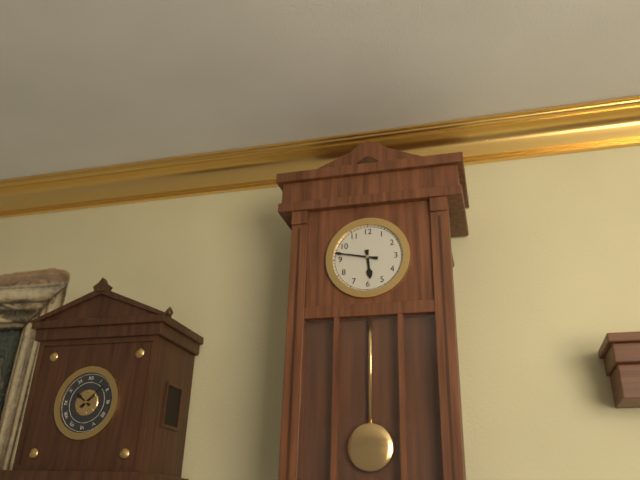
5:47
